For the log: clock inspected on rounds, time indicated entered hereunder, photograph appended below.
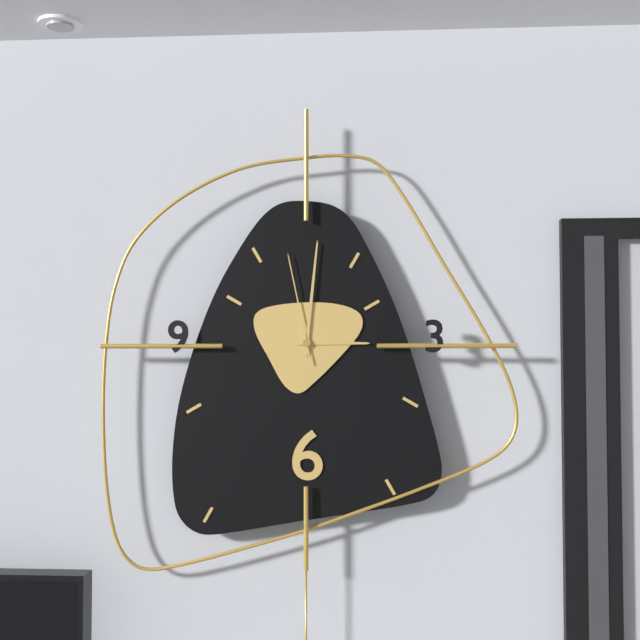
3:01:58
